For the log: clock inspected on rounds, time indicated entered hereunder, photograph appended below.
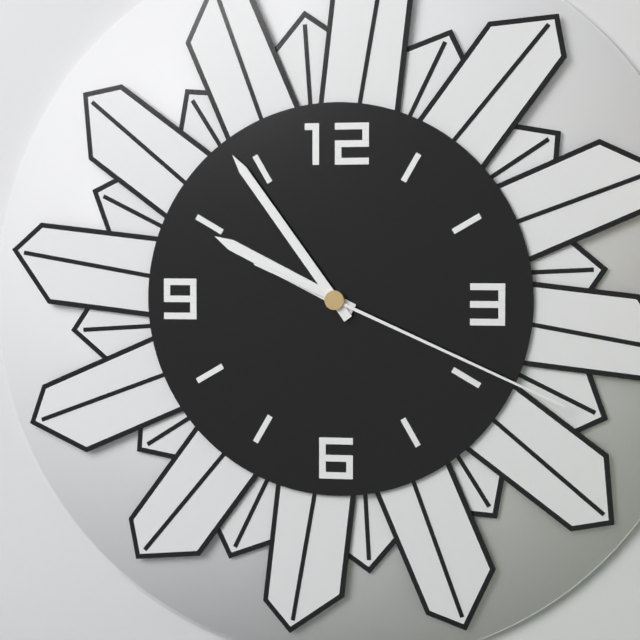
9:54:19
